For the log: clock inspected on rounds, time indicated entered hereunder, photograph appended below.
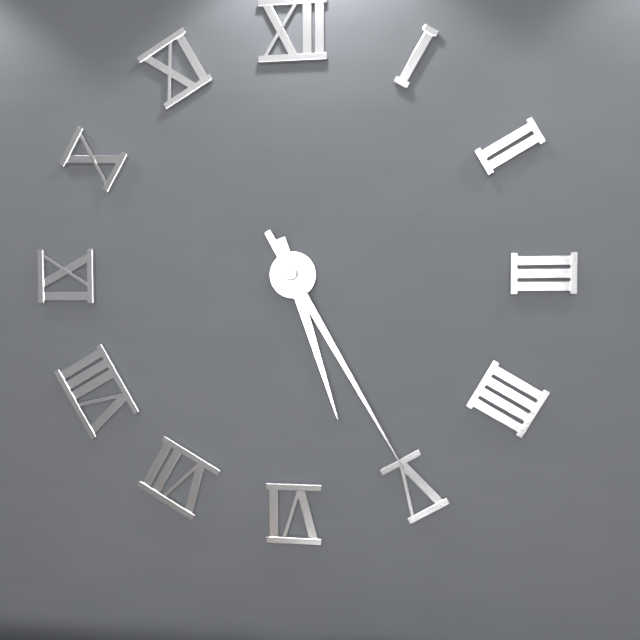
5:25
